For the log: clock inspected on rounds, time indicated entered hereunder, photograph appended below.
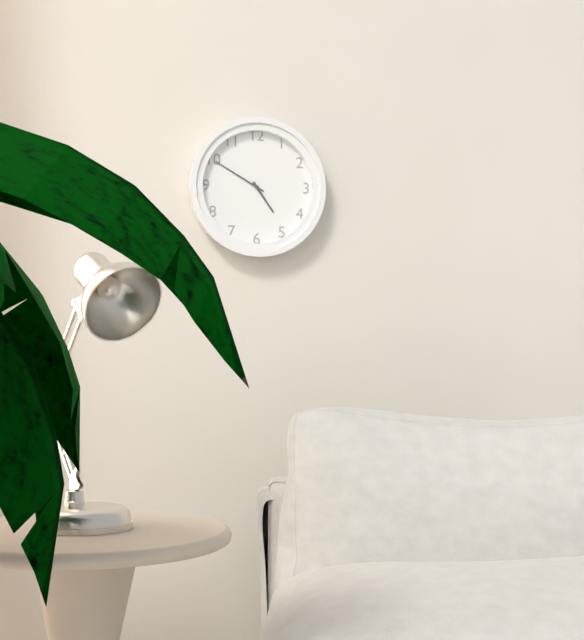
4:50
